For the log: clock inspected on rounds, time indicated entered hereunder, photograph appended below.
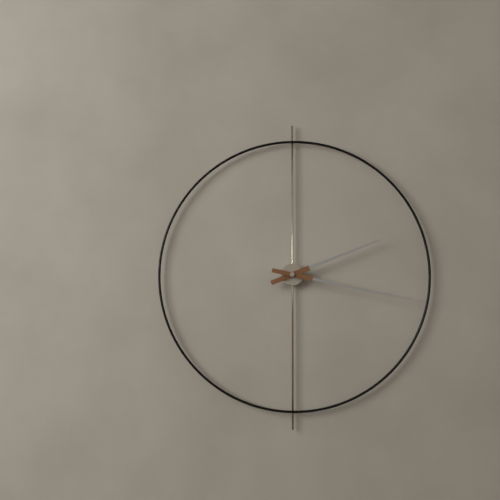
2:17
